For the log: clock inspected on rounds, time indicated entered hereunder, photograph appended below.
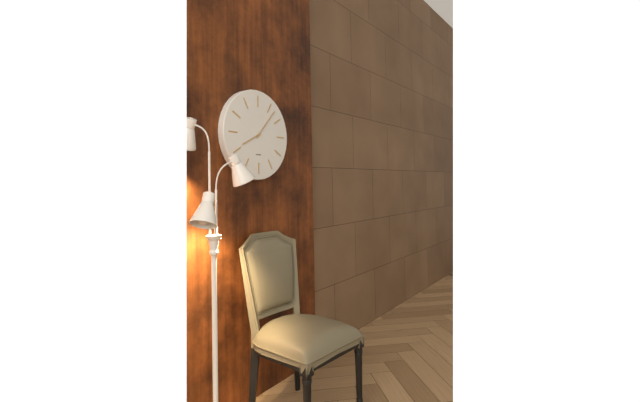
8:07
